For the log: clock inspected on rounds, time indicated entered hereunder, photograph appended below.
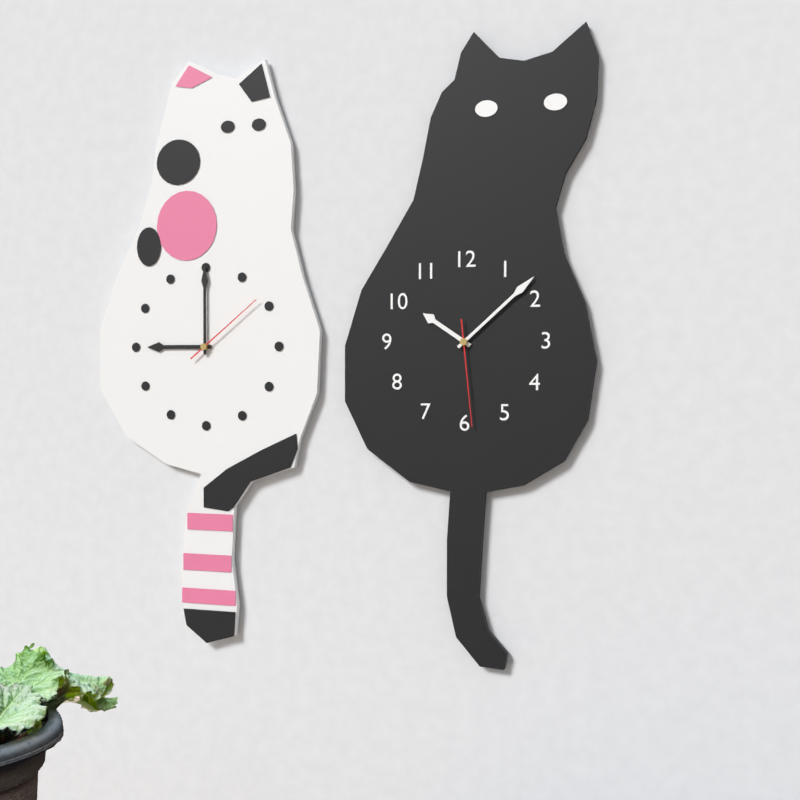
10:08:29
